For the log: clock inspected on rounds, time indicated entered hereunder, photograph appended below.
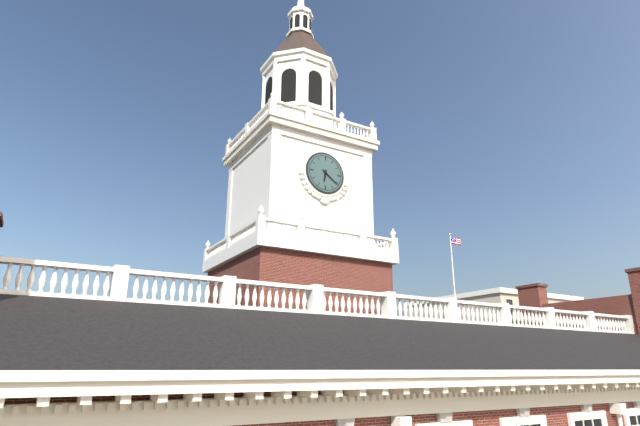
6:21
